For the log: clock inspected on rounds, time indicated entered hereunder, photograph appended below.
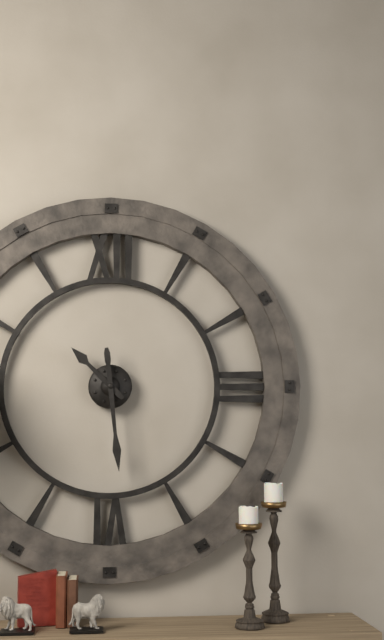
10:29
